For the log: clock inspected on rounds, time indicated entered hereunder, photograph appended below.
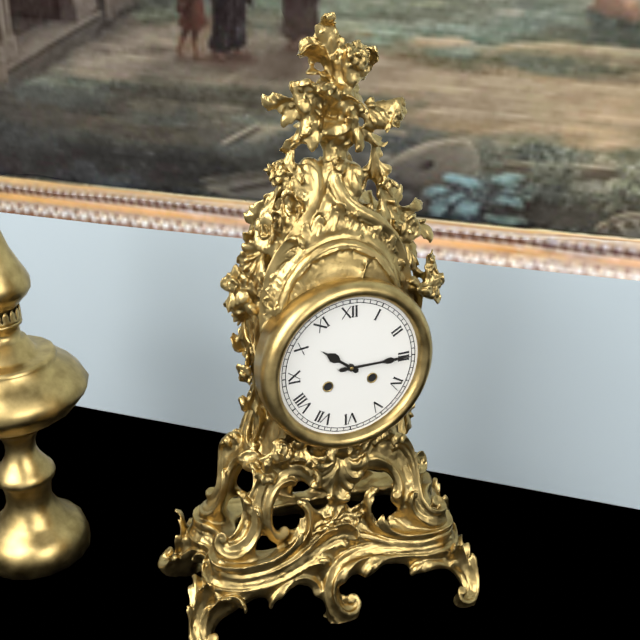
10:15
